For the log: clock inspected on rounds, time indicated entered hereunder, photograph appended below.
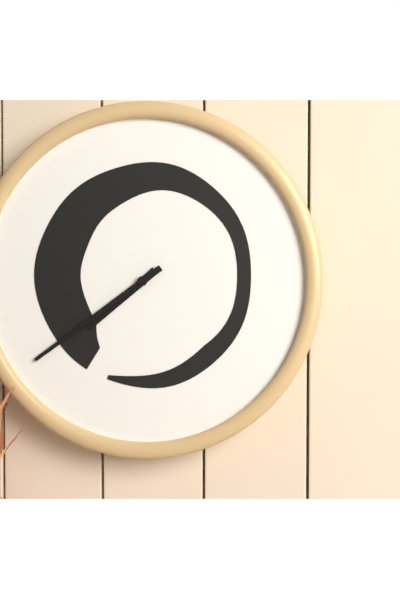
7:39
